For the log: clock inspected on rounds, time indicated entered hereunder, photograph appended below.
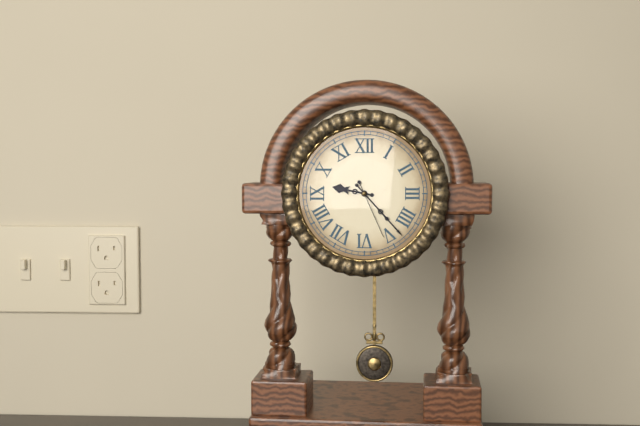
9:23:26
